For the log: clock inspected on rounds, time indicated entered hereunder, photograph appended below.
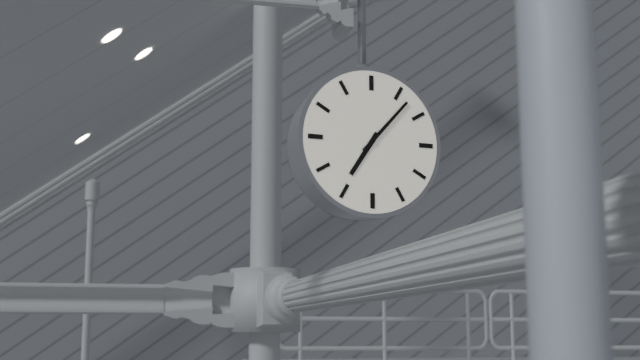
7:07
